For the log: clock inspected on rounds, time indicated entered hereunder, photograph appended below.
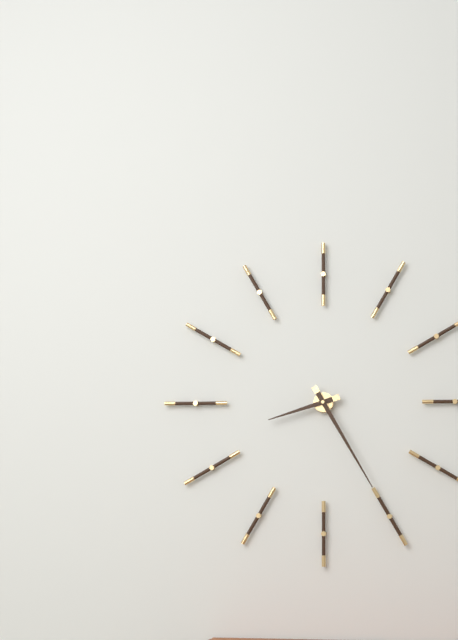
8:25
